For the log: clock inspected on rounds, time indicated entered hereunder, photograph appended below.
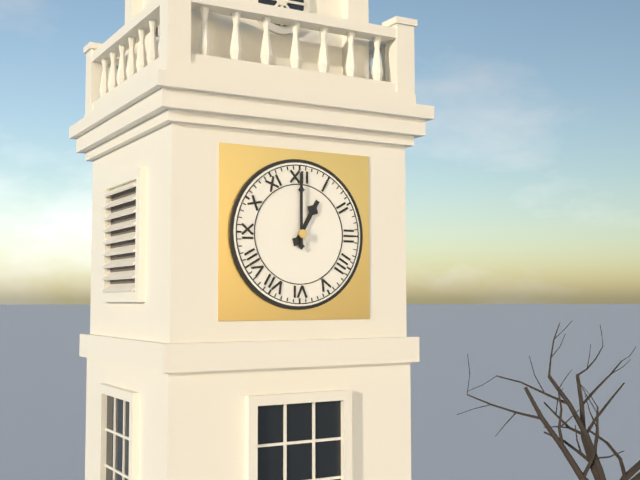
1:00
